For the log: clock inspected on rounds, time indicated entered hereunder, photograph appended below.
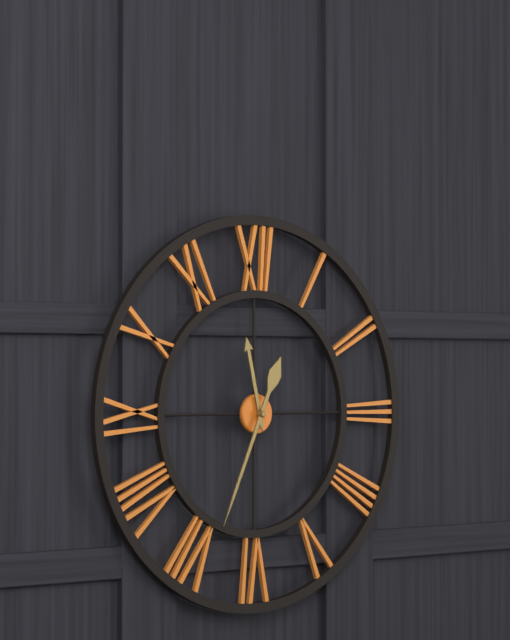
11:34
